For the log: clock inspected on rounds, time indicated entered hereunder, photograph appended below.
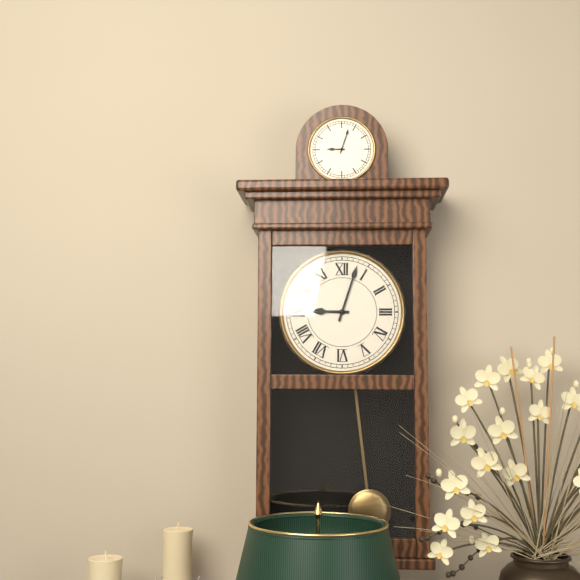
9:03
